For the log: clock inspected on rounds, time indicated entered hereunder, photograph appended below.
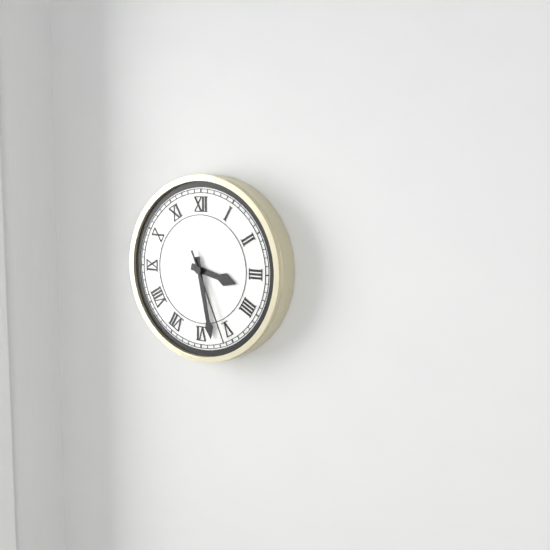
3:28:26
